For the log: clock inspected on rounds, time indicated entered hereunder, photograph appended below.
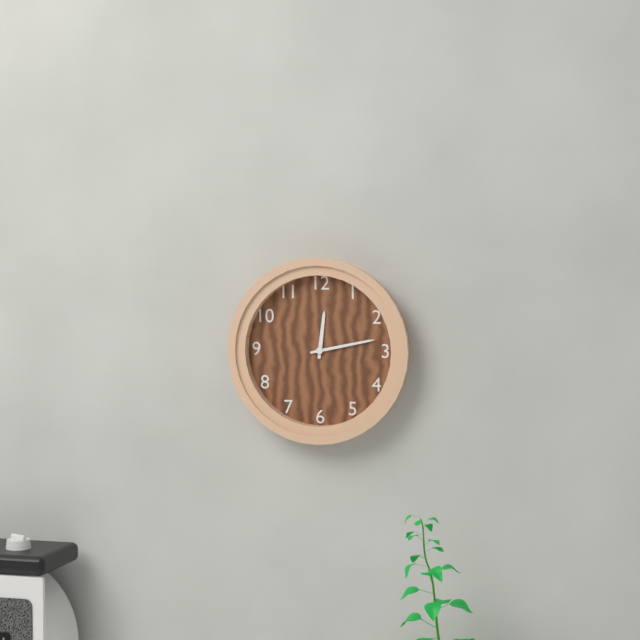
12:13
